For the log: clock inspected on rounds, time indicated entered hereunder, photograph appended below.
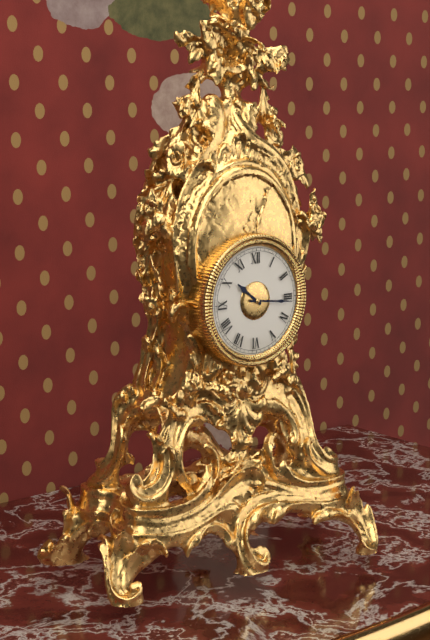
10:16
